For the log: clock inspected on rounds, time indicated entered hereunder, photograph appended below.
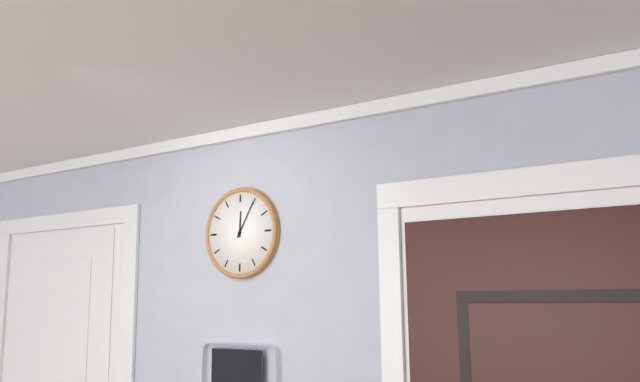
12:05
